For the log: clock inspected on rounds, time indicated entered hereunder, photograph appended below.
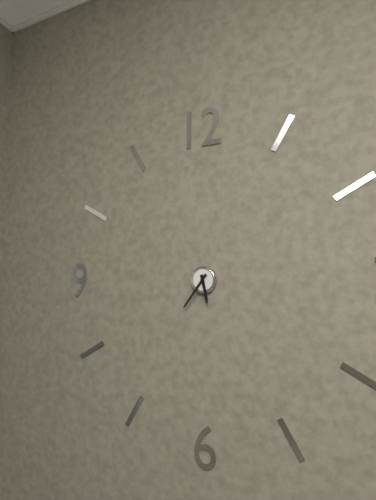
5:36
